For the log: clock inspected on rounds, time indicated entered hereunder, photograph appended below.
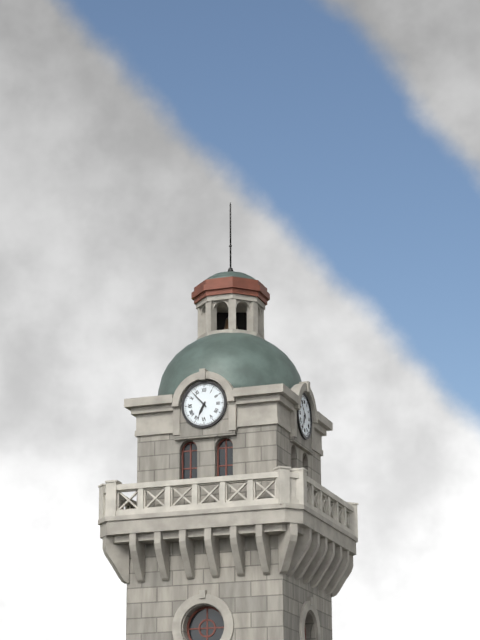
6:53
